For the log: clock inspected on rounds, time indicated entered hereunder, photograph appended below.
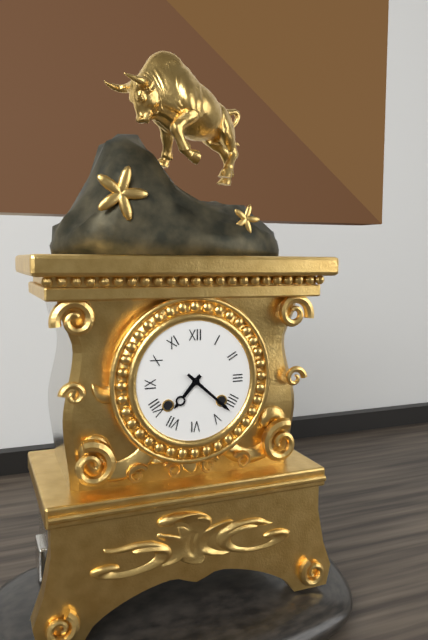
7:22
